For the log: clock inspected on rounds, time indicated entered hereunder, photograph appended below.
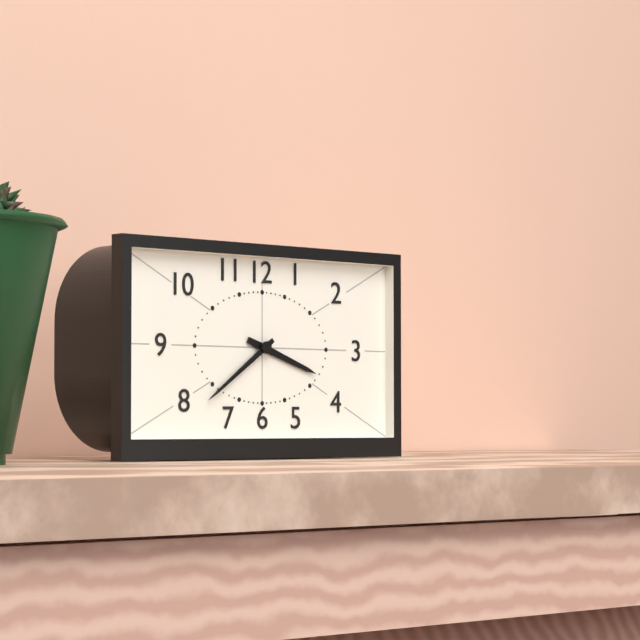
3:39
